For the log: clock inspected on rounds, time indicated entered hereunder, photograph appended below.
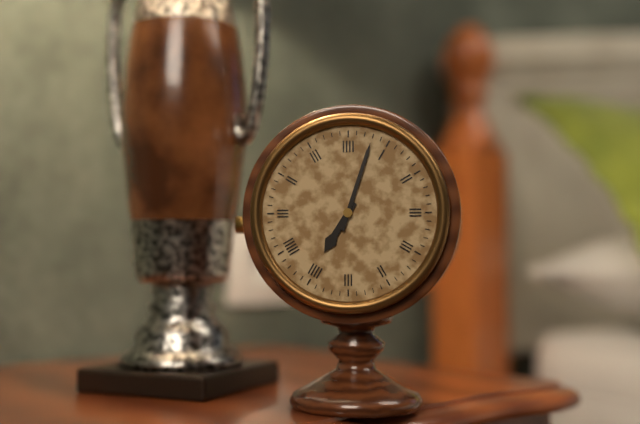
7:03
